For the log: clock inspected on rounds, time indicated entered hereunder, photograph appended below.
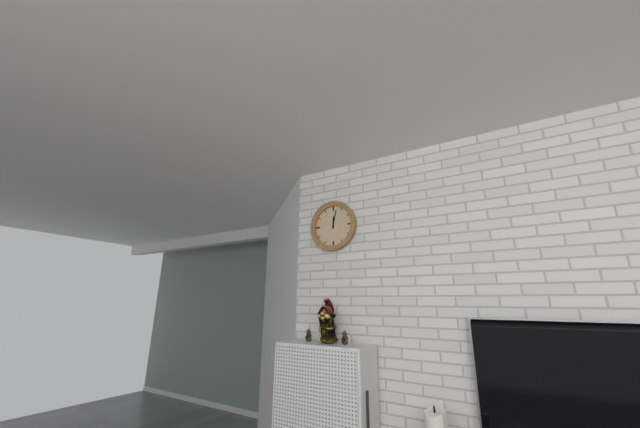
12:02
